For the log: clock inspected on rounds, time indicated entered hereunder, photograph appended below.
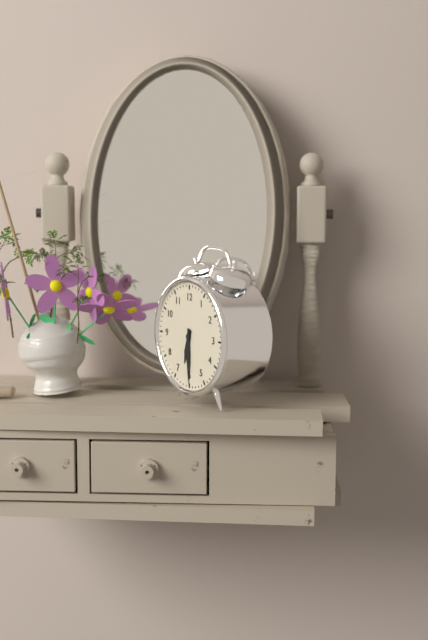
6:30
